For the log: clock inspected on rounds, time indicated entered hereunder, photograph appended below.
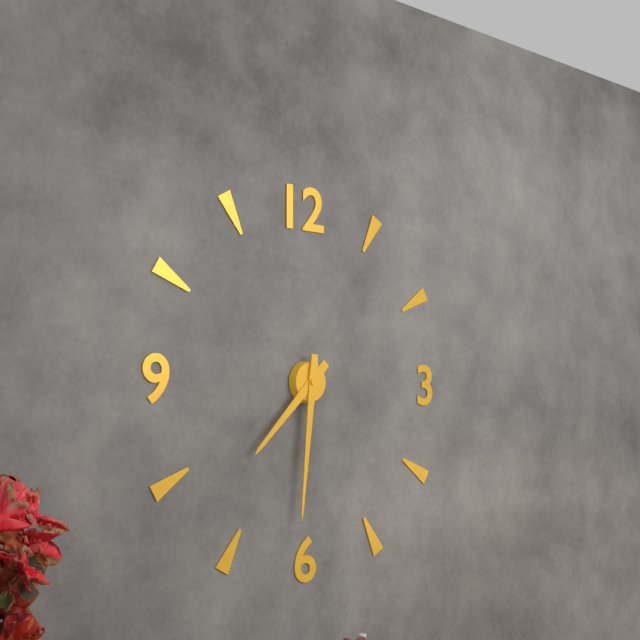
7:31
